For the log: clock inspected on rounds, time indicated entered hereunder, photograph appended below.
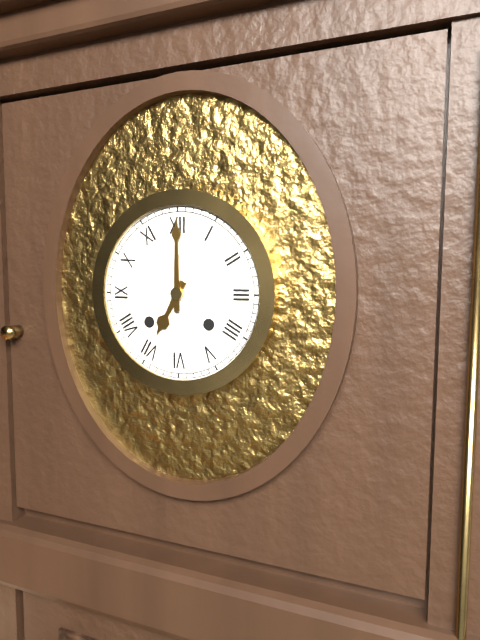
7:00
